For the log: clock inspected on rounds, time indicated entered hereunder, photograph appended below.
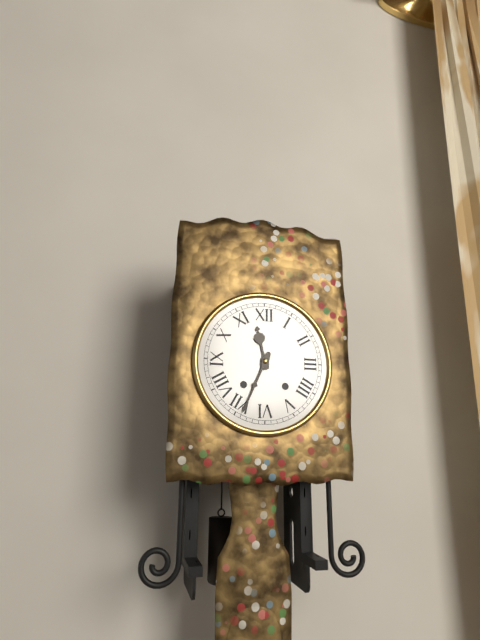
11:34
